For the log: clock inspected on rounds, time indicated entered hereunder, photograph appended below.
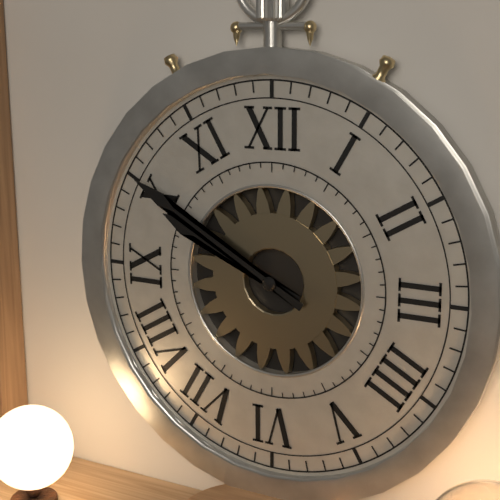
9:50
